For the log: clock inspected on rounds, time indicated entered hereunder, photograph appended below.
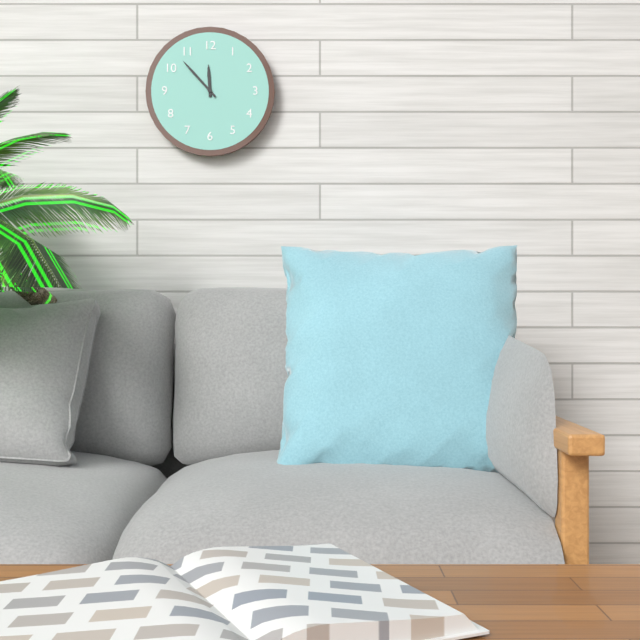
11:53
